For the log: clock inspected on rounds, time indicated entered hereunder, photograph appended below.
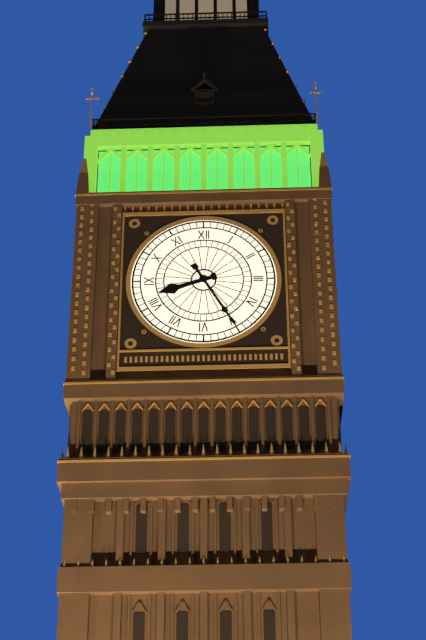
8:25
